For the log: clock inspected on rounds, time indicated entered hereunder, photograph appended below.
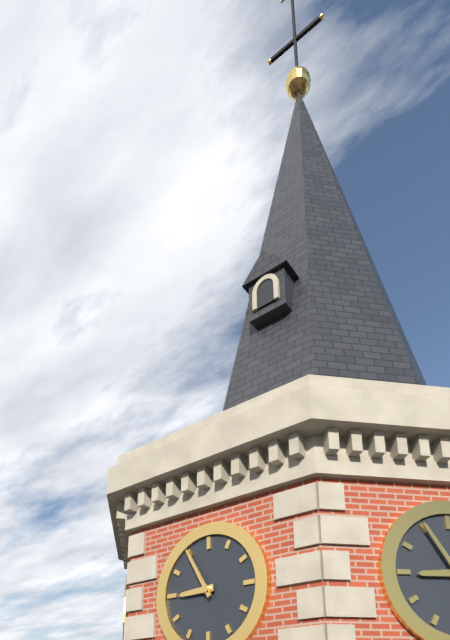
8:55
